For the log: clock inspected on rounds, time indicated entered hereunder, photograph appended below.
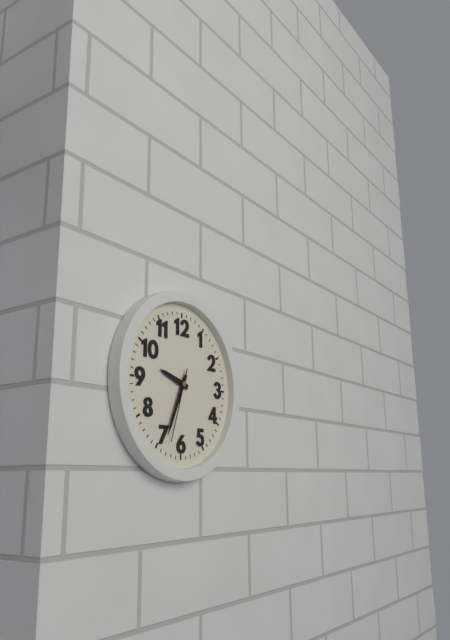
9:34:33
